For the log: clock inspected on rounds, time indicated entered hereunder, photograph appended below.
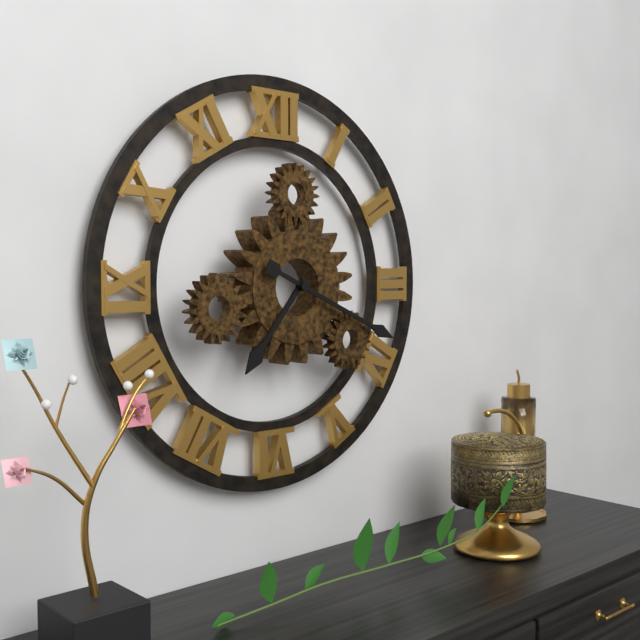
7:19
